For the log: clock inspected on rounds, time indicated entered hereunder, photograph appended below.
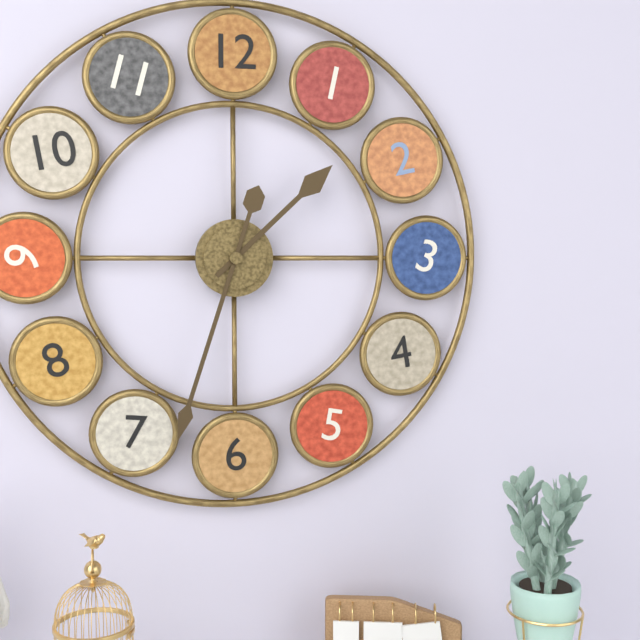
1:33
